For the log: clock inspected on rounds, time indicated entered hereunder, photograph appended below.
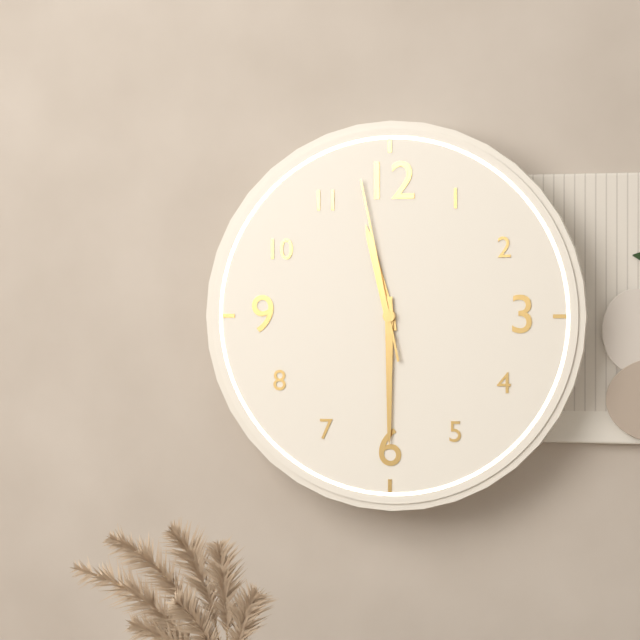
11:30:58
